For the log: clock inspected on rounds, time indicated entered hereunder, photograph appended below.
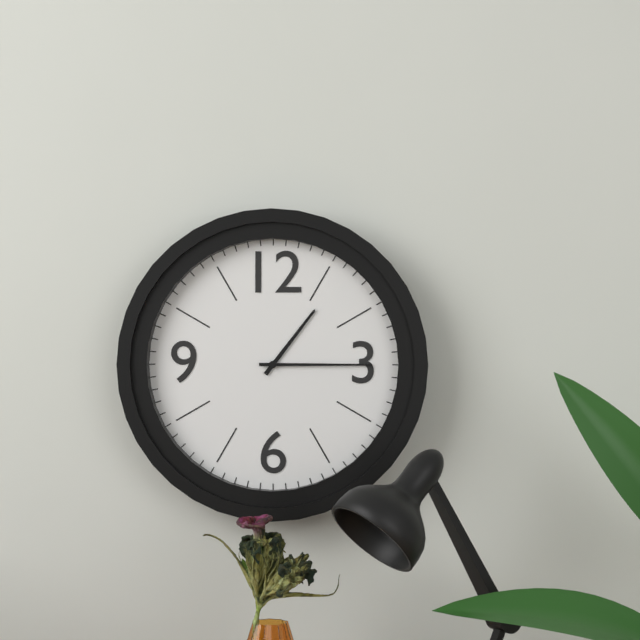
1:15
